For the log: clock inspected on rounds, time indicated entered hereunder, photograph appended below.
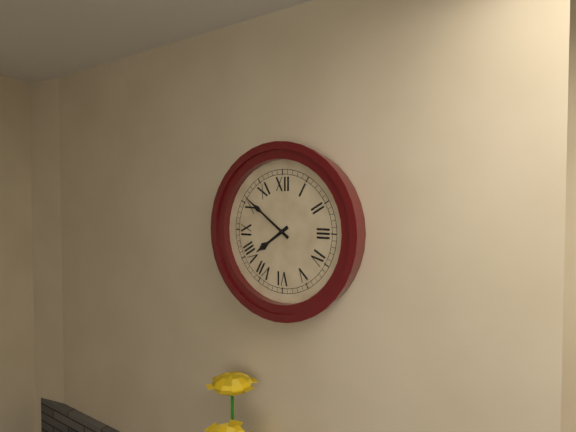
7:51
